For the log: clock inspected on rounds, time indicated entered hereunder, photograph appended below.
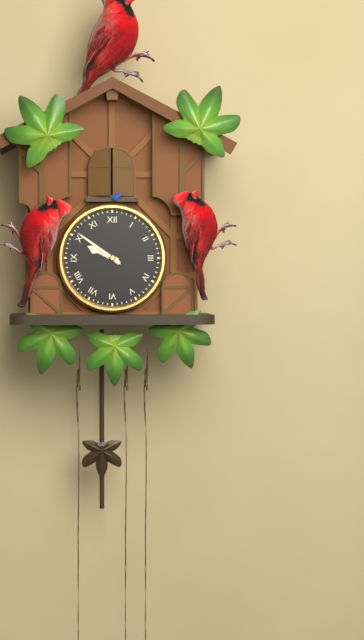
9:51
